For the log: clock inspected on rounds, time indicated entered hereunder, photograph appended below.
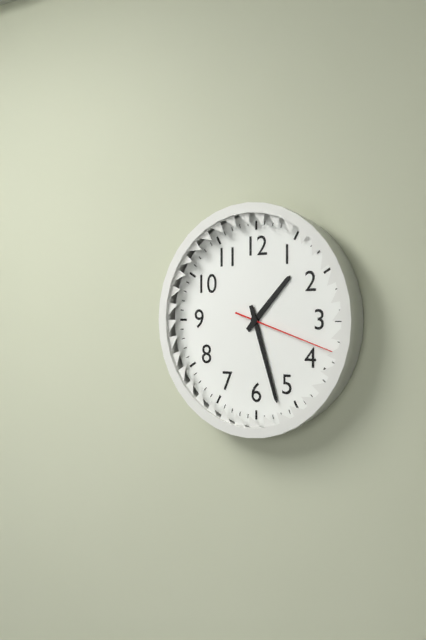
1:27:18
